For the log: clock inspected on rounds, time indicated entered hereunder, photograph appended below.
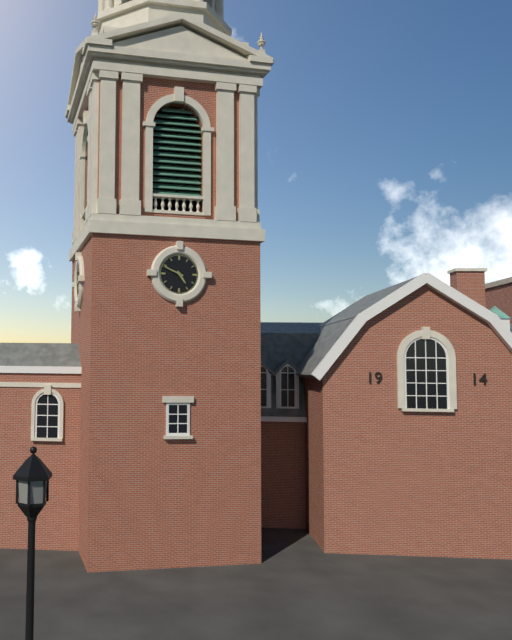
4:49
